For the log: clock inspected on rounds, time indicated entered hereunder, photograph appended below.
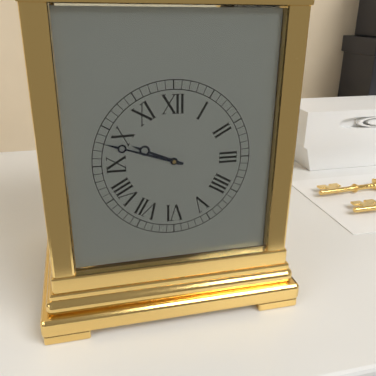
9:48
